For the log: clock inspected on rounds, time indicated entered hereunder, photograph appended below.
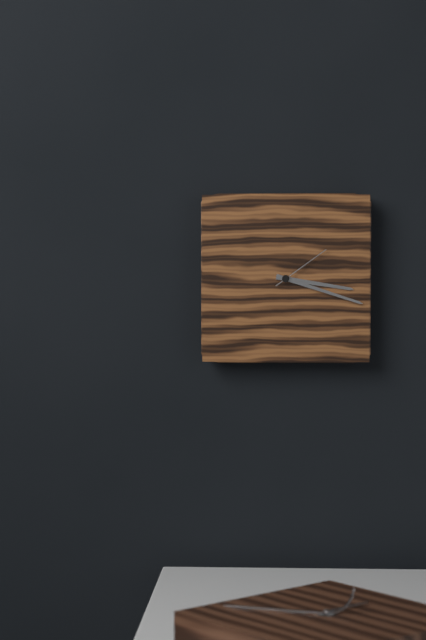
3:18:09
